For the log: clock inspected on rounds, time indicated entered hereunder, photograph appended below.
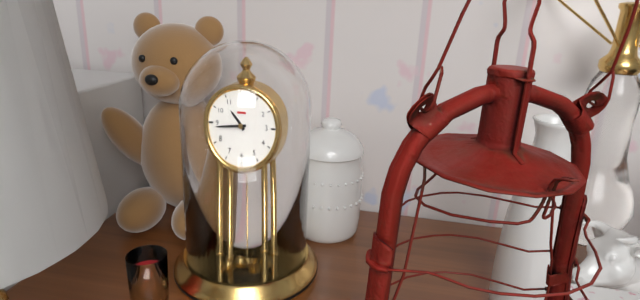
10:44
